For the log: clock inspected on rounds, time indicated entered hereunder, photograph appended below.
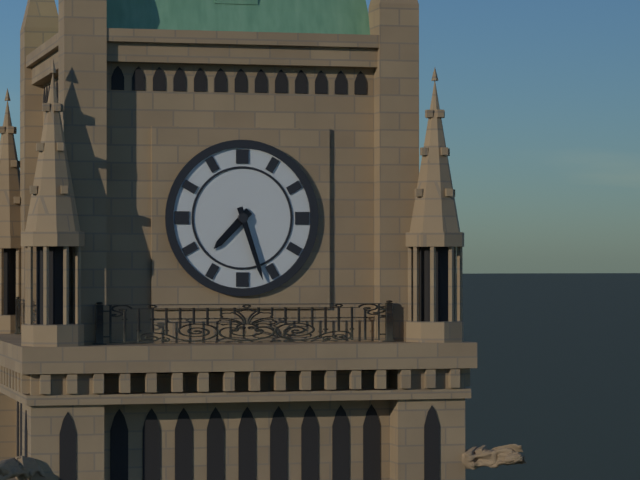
7:27
